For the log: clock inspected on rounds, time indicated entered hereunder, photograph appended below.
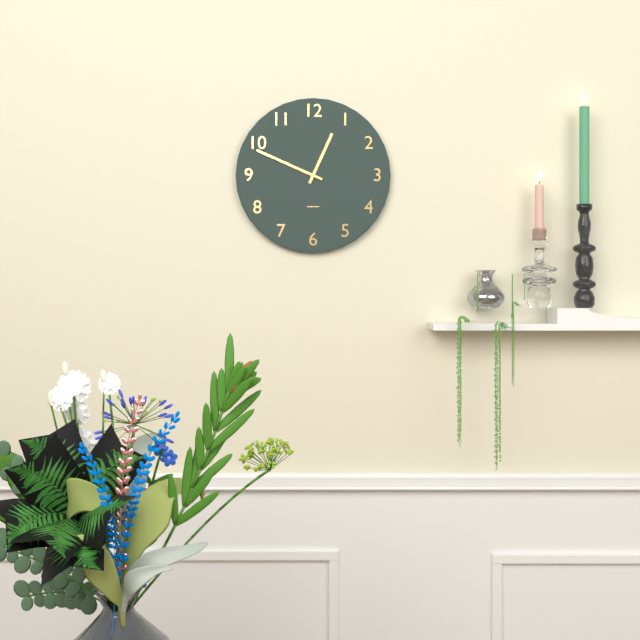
12:49
